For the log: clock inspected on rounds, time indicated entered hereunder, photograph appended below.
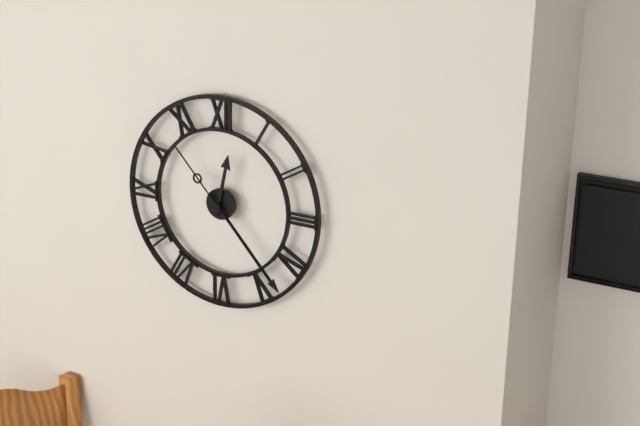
12:23:23
